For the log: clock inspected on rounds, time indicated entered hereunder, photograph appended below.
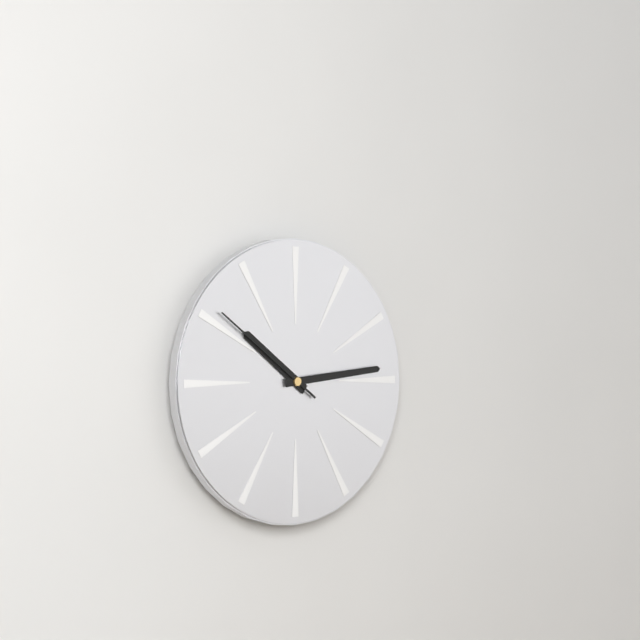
10:14:51
